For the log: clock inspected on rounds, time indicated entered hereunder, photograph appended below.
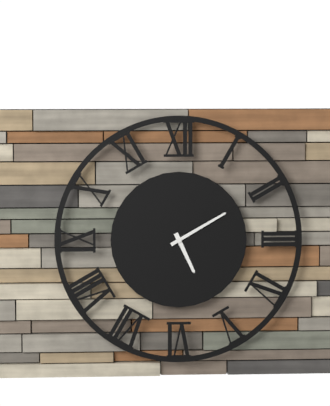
5:10
